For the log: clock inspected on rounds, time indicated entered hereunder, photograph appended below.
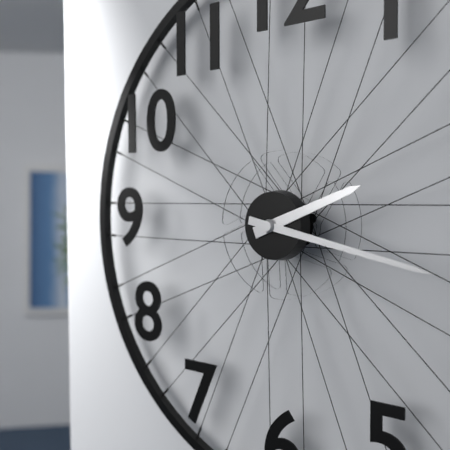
2:17
